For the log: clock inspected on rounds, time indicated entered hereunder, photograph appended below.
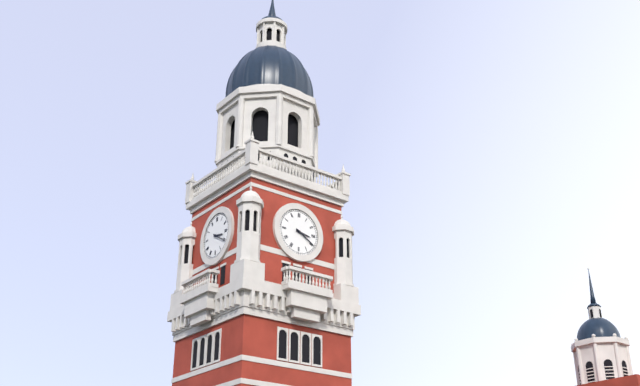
3:20
